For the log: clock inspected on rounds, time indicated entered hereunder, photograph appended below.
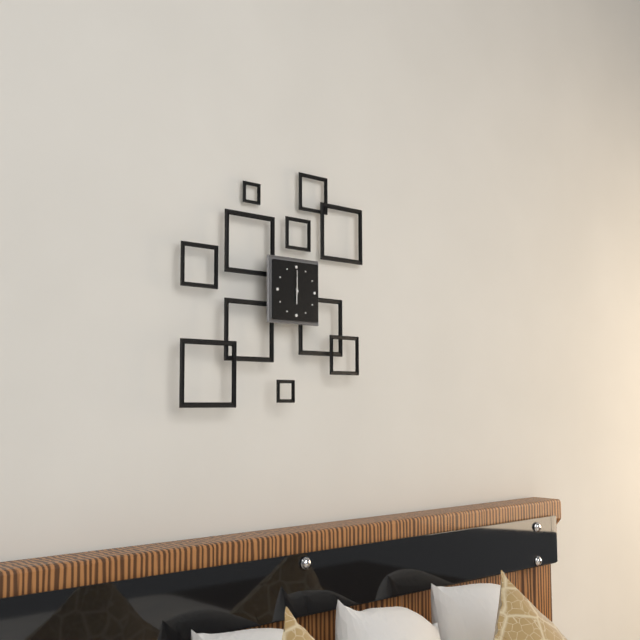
6:00
